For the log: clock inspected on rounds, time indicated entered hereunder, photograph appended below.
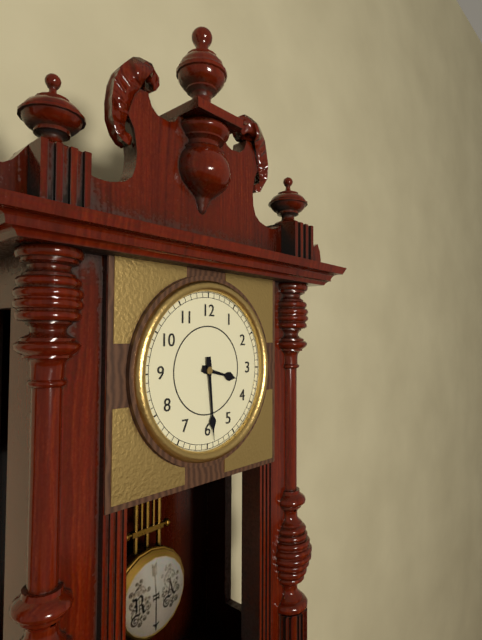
3:29
